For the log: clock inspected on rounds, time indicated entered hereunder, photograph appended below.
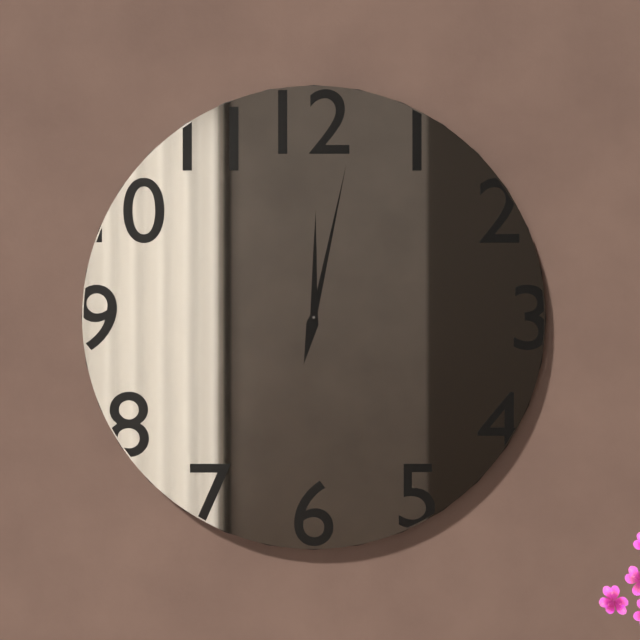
12:02
